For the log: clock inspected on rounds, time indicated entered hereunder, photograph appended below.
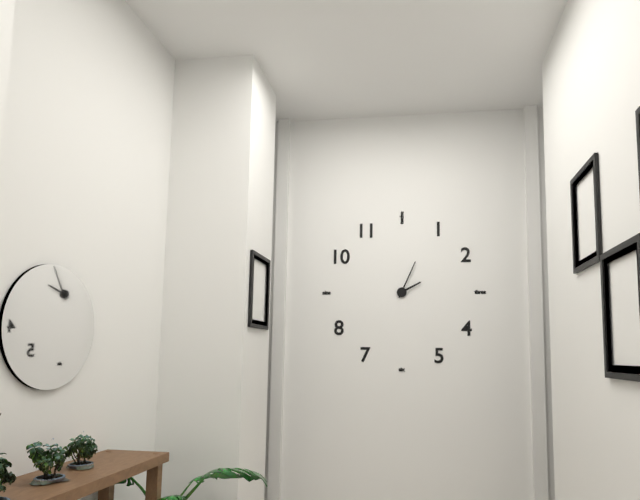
2:04
